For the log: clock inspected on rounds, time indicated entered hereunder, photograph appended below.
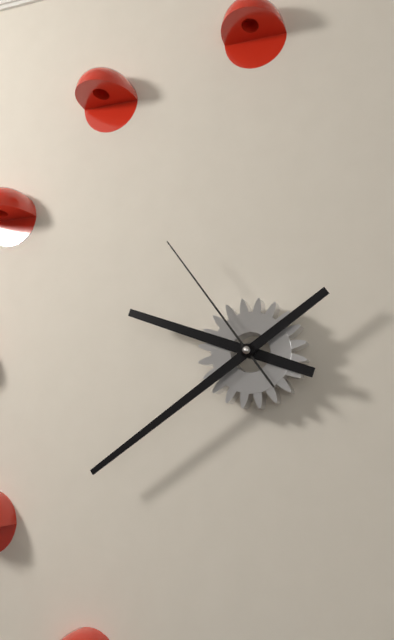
9:39:54
